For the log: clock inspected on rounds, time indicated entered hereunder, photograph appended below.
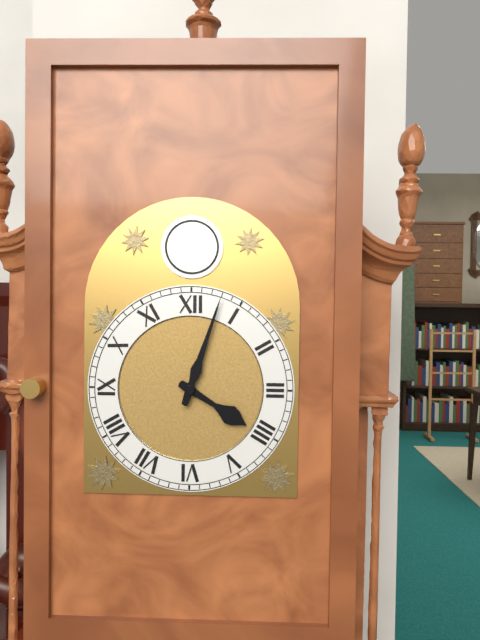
4:03
